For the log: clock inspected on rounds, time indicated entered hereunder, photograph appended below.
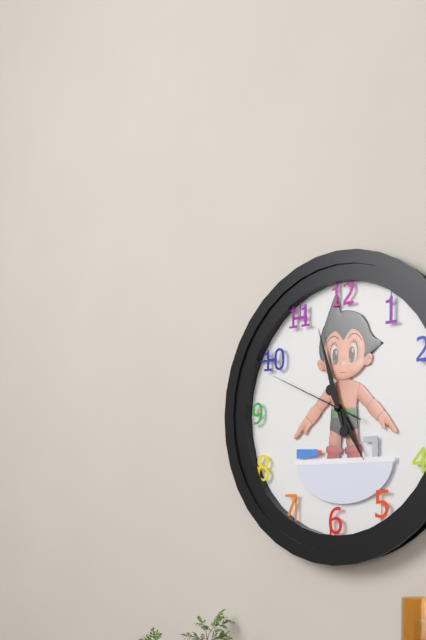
4:57:49
